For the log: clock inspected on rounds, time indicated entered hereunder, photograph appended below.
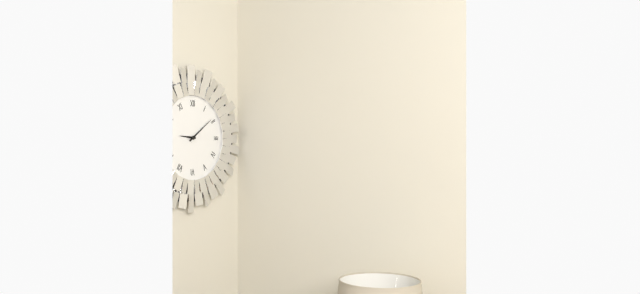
9:09
